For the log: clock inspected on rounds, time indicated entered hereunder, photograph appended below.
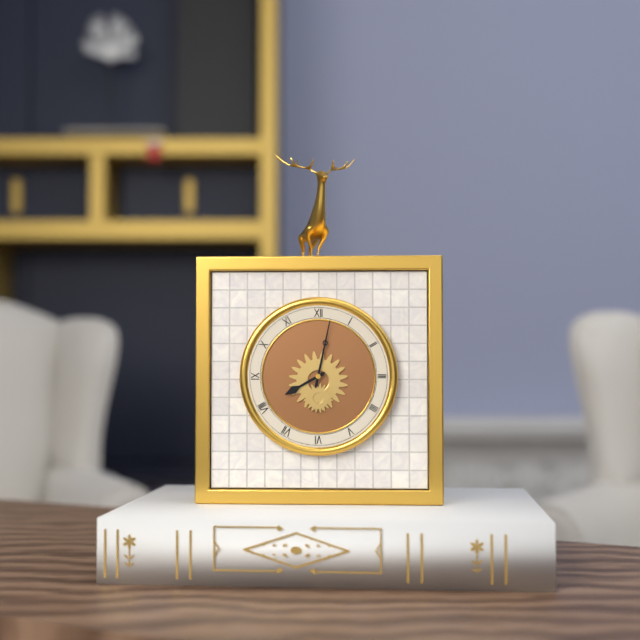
8:02
